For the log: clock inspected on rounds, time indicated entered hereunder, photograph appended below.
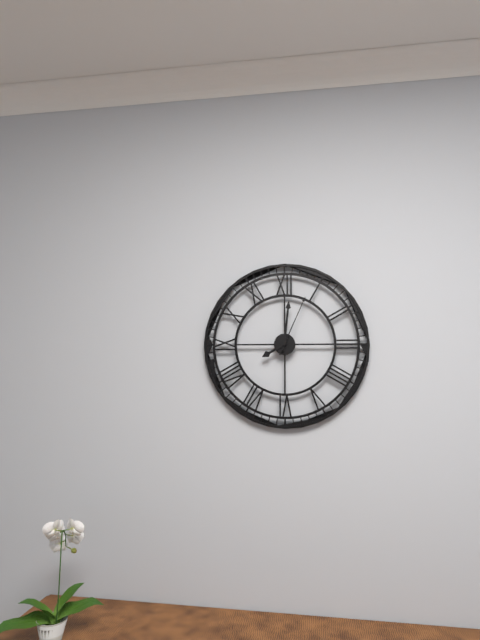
8:01:04
